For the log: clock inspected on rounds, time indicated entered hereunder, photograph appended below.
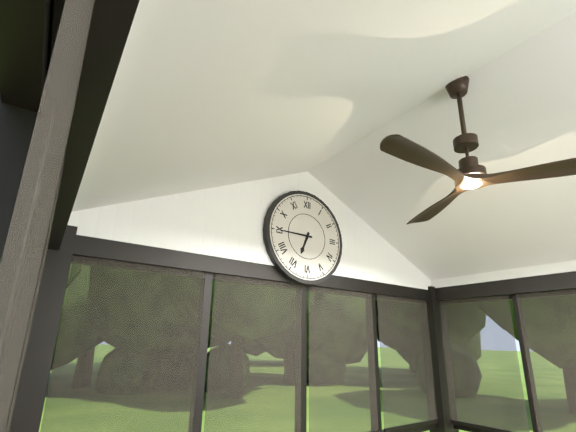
6:45
